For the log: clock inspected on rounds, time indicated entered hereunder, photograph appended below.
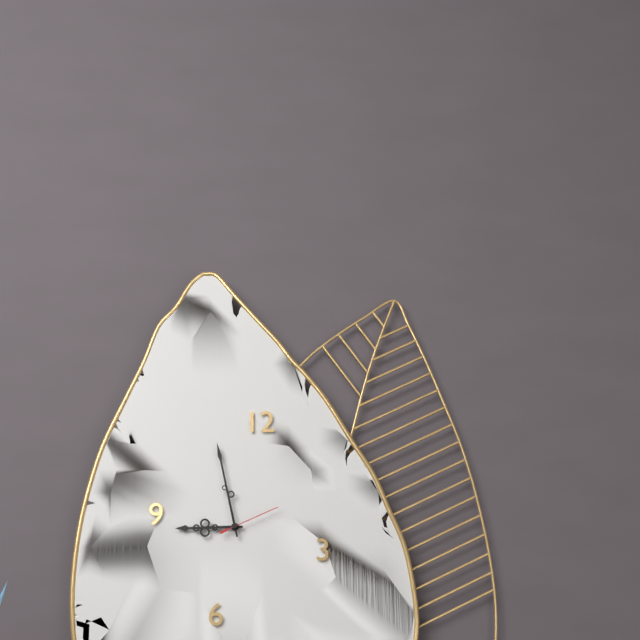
8:58:11
